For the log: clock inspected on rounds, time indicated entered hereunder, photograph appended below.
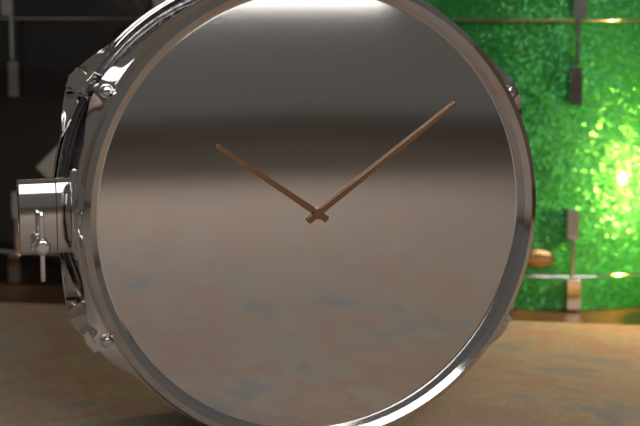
10:09
